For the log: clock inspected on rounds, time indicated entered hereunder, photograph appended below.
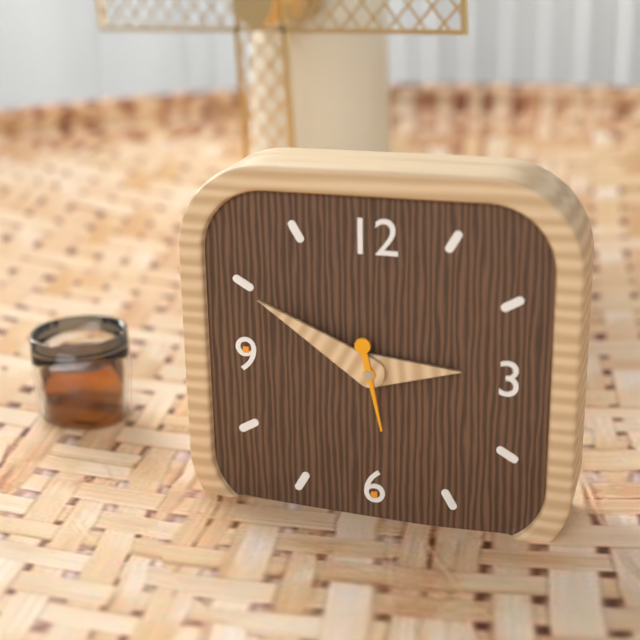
2:50:28
